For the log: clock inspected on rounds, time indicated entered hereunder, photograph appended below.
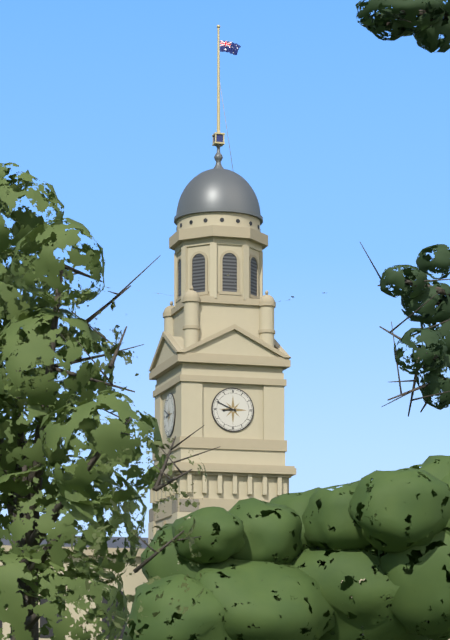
8:49
